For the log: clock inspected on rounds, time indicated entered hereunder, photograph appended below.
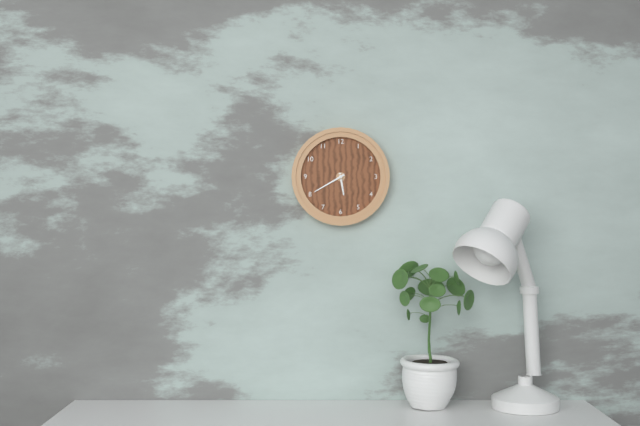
5:40
